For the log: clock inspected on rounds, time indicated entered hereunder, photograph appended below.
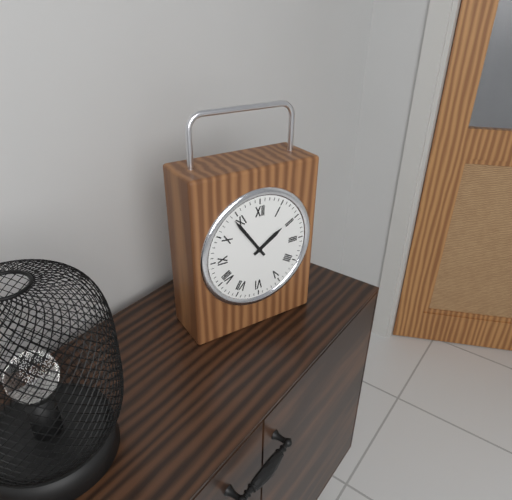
1:54
